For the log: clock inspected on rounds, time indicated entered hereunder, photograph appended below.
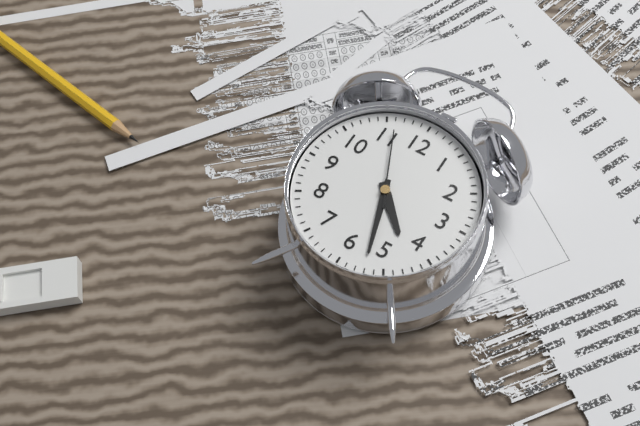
4:27:56
